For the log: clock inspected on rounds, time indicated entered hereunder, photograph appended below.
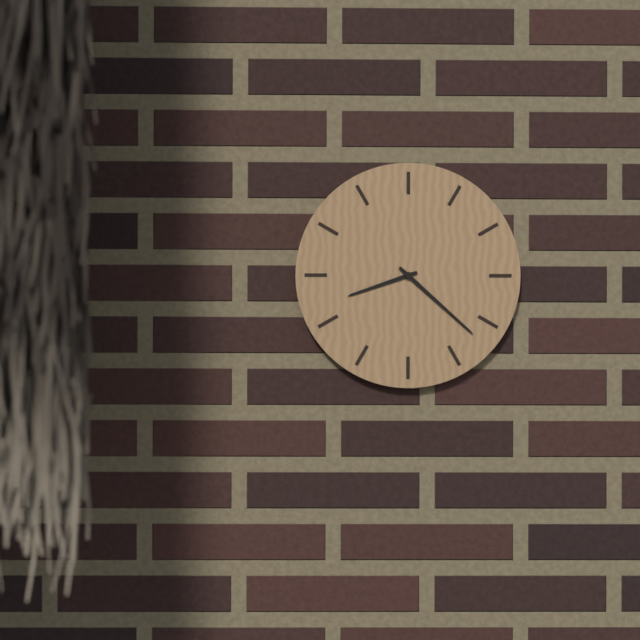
8:22
